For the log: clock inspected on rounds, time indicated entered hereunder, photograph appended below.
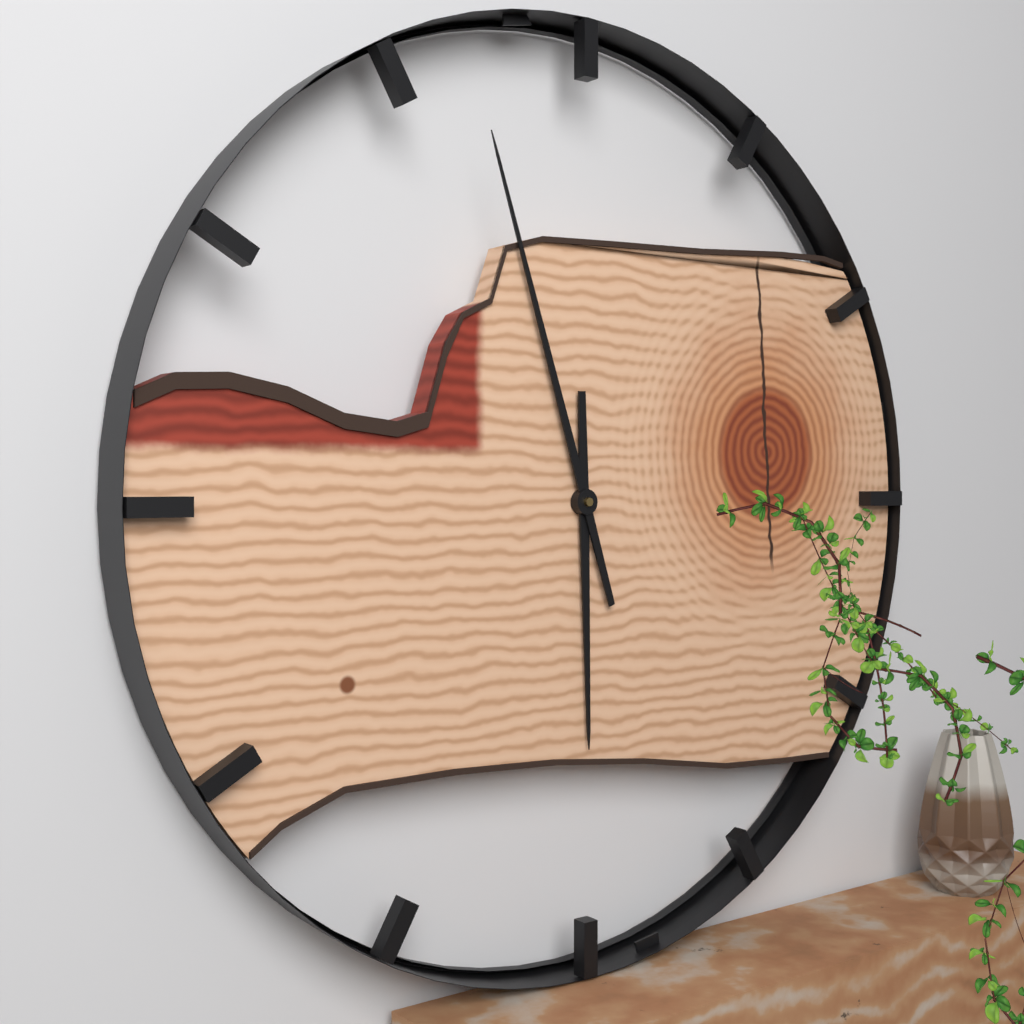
5:57
